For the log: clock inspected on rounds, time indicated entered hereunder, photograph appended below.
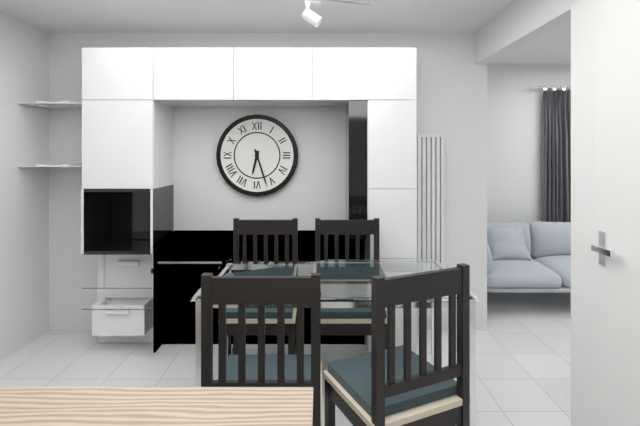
6:27
